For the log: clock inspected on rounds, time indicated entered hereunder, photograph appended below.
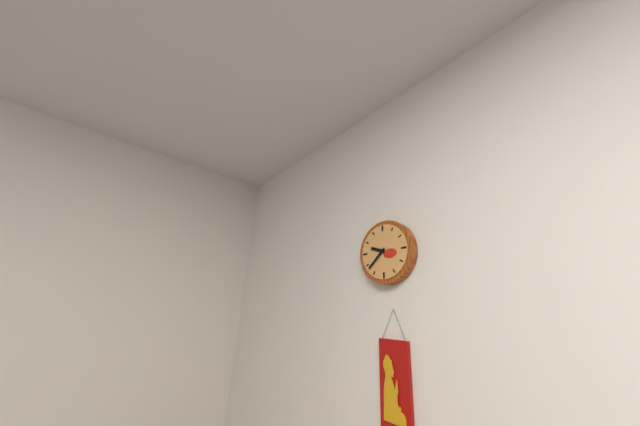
9:38
